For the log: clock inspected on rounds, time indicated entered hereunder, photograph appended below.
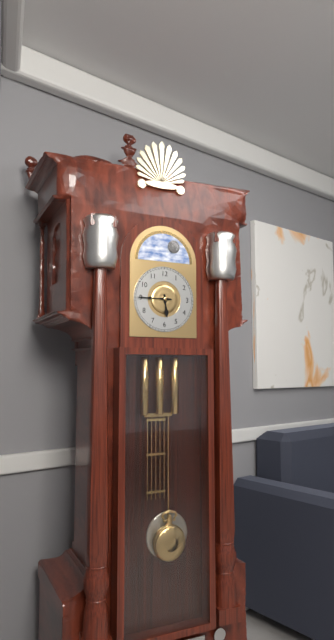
5:45
